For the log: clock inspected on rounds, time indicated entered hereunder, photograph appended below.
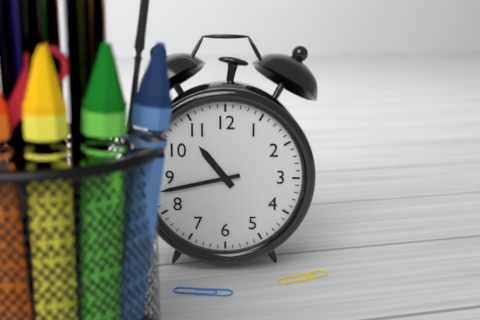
10:43
